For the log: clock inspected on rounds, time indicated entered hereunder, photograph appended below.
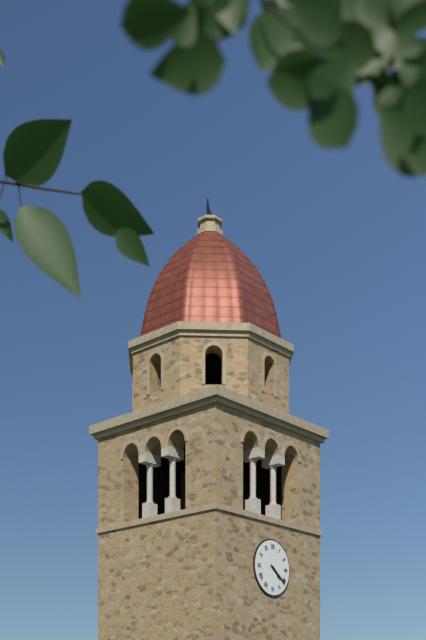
4:21
